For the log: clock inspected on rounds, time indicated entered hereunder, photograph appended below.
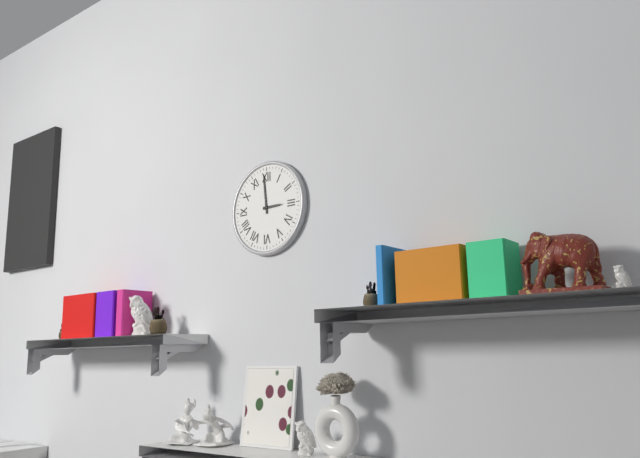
2:59
